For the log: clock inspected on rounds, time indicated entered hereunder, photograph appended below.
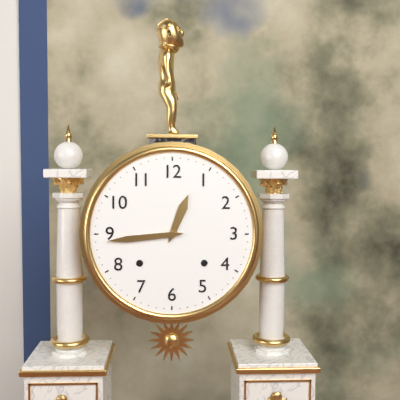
12:44
